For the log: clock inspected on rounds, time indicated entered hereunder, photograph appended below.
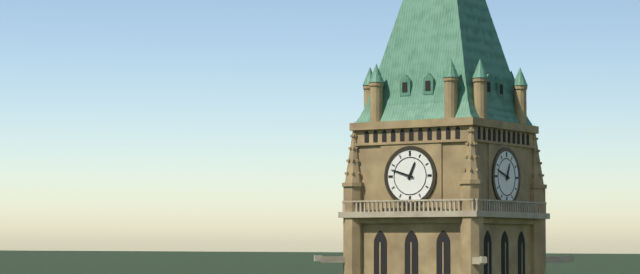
12:48
